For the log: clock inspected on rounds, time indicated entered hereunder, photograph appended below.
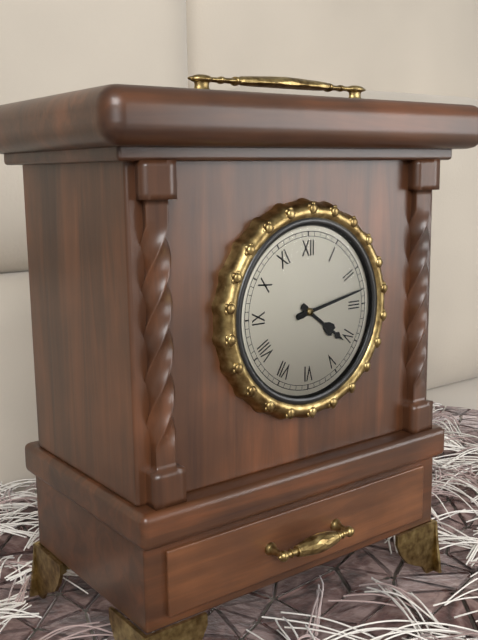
4:13
